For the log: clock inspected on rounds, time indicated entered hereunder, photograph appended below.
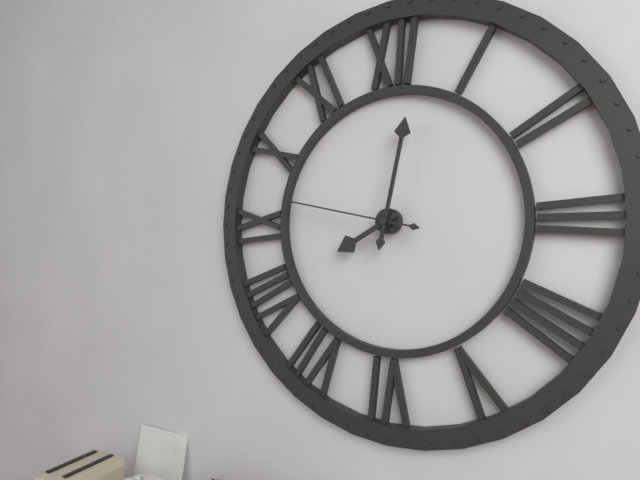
8:02:47
